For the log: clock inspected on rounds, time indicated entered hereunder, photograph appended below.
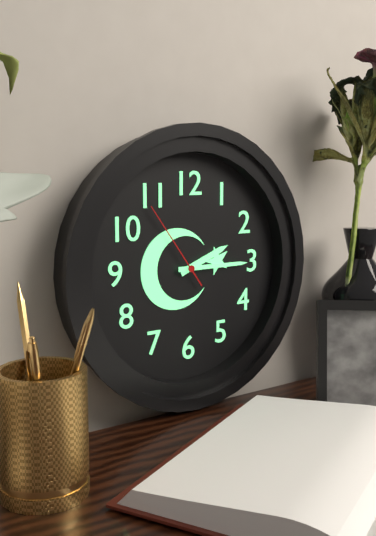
2:15:54
